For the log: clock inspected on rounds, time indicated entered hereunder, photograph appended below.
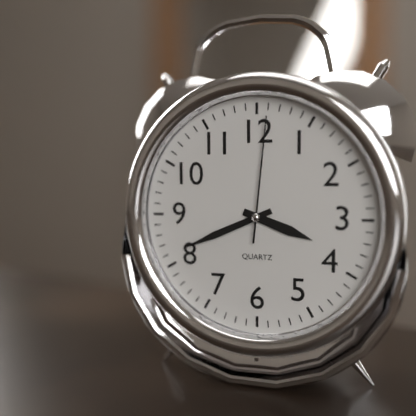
3:41:01
